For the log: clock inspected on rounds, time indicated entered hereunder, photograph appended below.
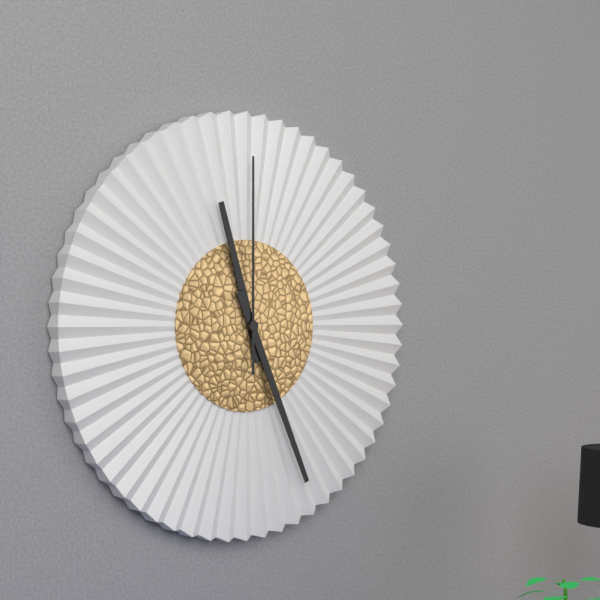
11:26:00
